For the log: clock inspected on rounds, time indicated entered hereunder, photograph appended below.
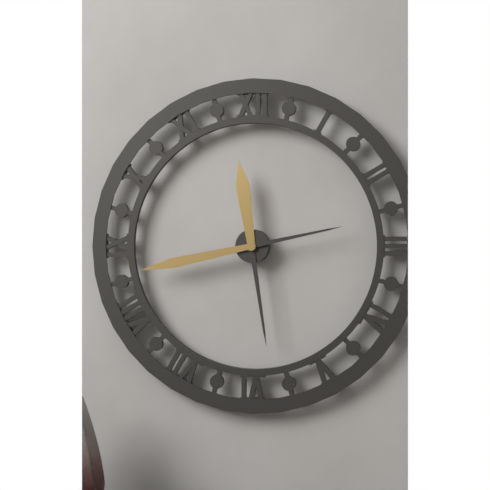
11:43
